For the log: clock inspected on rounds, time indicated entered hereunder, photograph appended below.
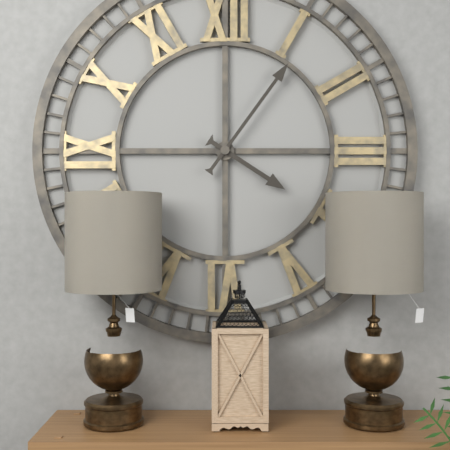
4:06
